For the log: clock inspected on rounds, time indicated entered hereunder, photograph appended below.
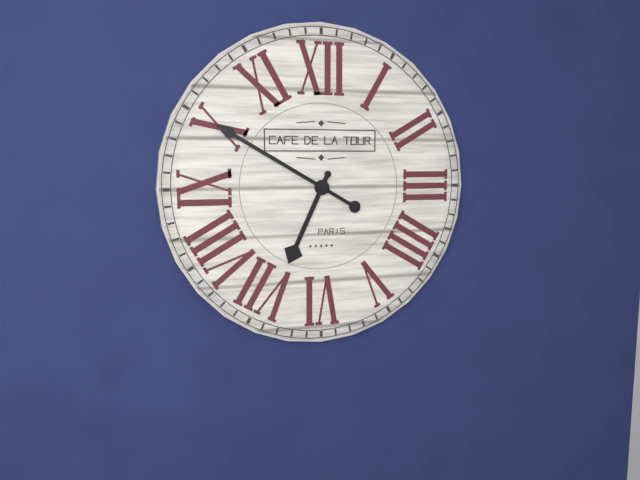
6:50
